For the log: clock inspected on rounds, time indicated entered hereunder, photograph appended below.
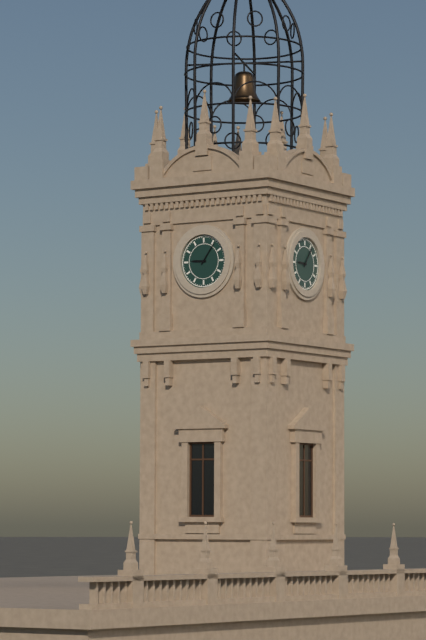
9:06
